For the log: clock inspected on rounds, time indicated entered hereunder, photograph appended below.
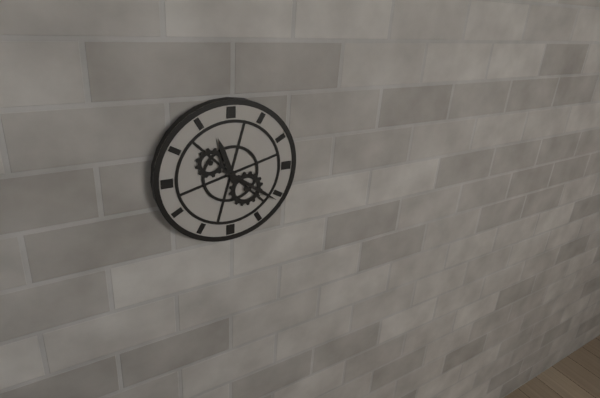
11:21
